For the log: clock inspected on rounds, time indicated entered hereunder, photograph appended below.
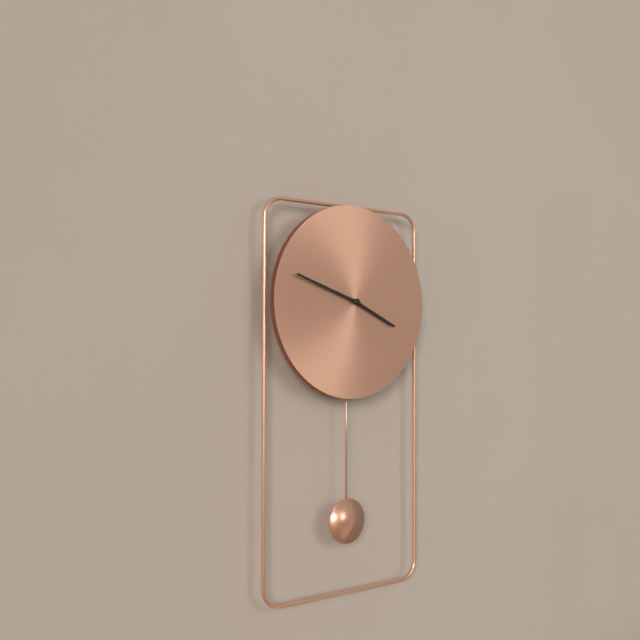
3:48
